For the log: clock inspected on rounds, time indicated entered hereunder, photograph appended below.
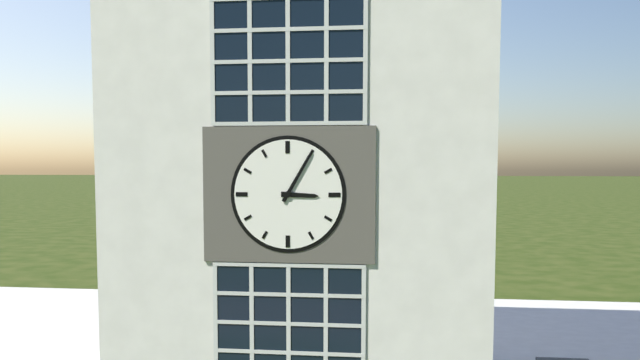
3:05
